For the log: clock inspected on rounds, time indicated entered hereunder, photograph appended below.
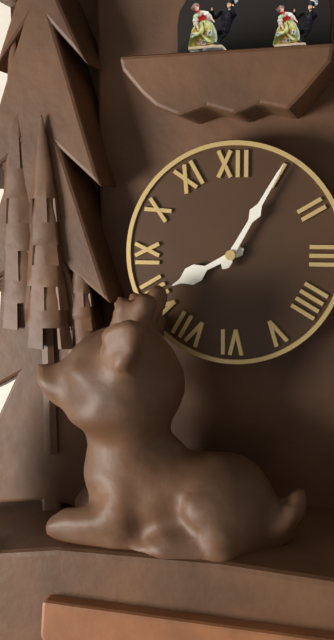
8:05
